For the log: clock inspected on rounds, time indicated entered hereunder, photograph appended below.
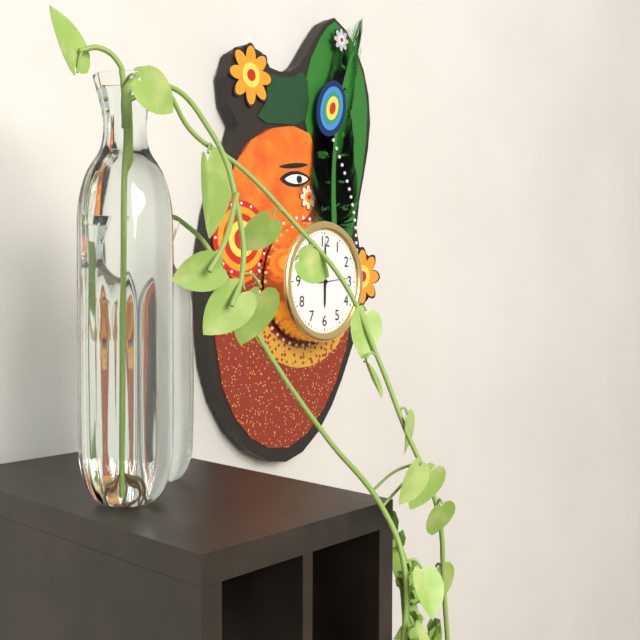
6:00
